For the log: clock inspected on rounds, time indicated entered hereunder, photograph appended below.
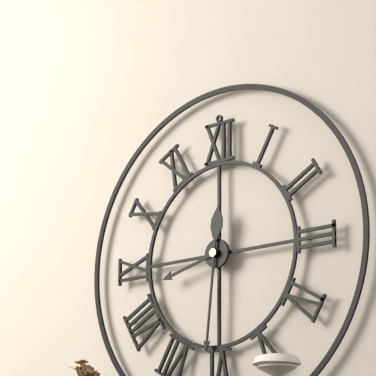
8:31
